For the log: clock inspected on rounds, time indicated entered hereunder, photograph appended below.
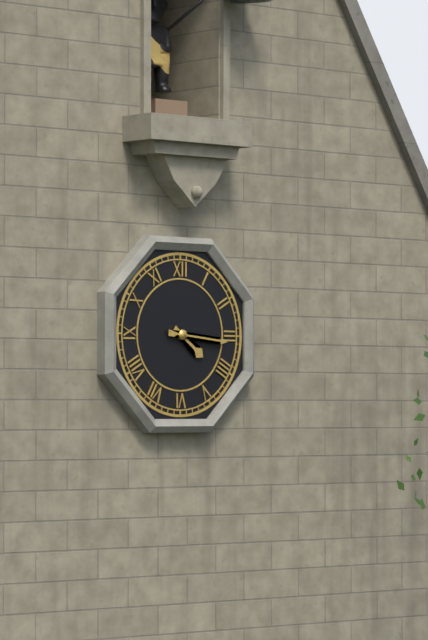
4:16
